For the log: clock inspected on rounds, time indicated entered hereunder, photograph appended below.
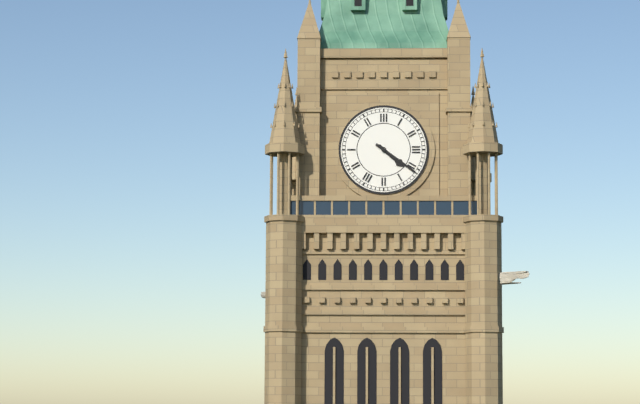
4:21
